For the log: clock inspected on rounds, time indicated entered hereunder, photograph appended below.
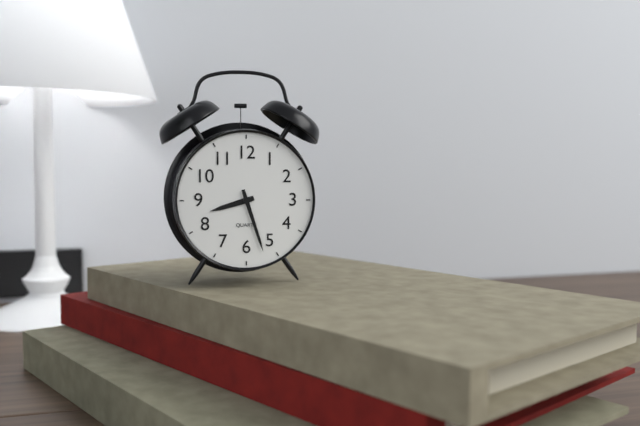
8:27
